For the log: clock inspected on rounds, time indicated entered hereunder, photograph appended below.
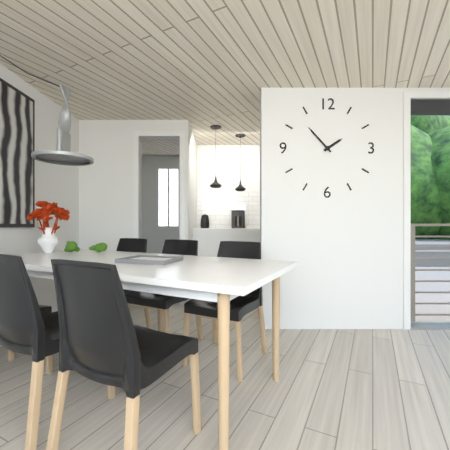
1:53
